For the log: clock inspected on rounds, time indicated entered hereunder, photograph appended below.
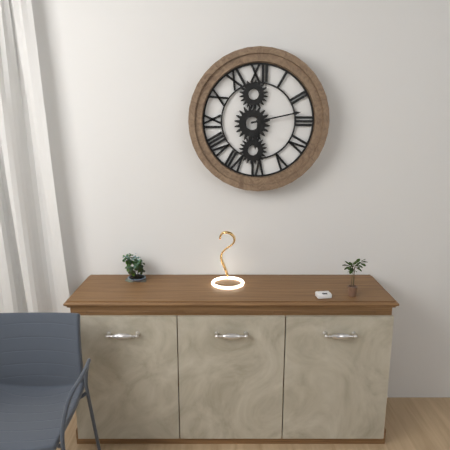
6:13
